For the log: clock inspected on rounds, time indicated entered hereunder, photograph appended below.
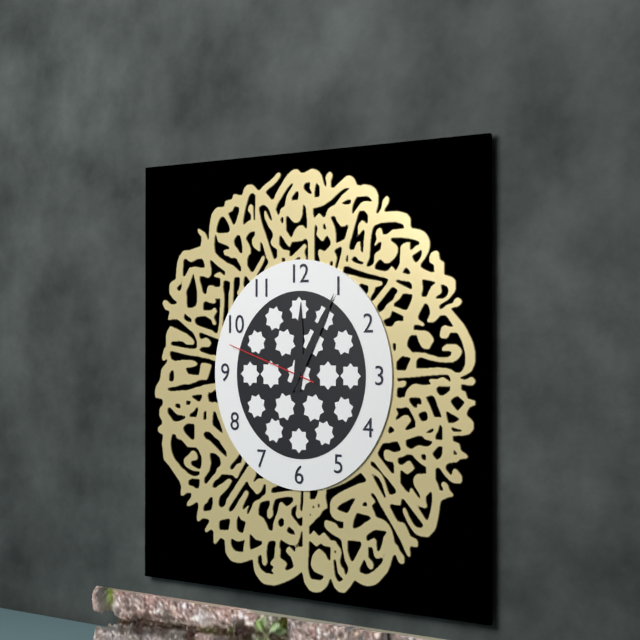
12:05:48
